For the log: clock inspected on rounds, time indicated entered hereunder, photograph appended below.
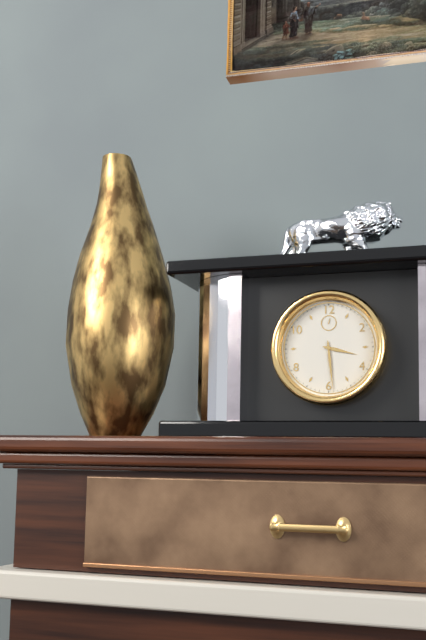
3:29
